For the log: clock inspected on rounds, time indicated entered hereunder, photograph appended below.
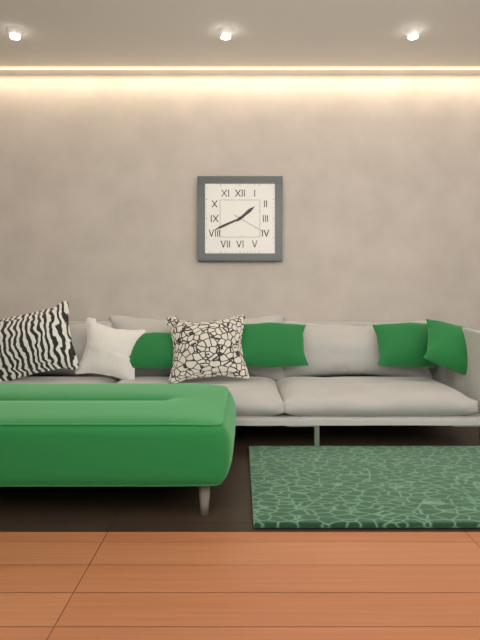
1:41
